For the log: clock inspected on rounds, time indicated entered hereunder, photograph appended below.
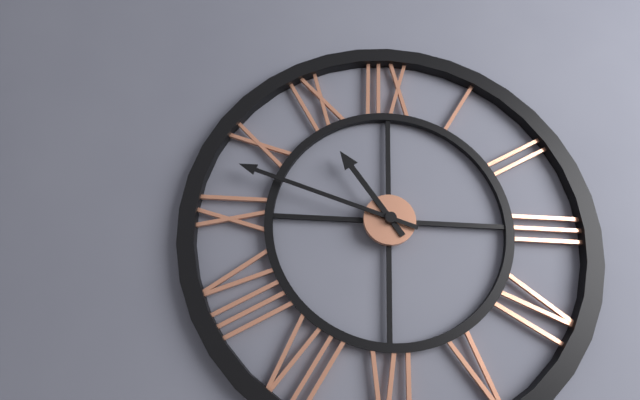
10:48
